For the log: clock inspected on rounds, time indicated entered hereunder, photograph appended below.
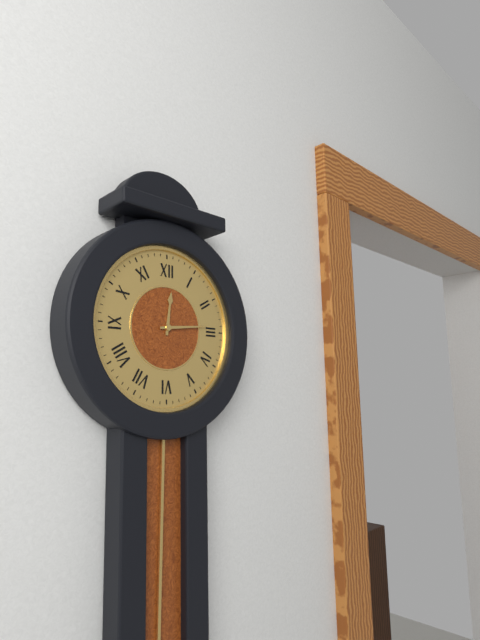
12:14
